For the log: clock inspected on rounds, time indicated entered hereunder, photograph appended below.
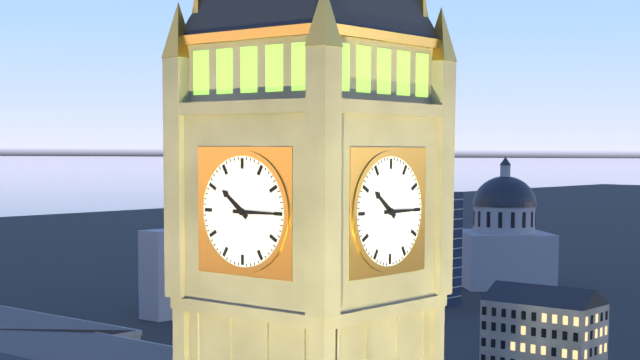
10:15
